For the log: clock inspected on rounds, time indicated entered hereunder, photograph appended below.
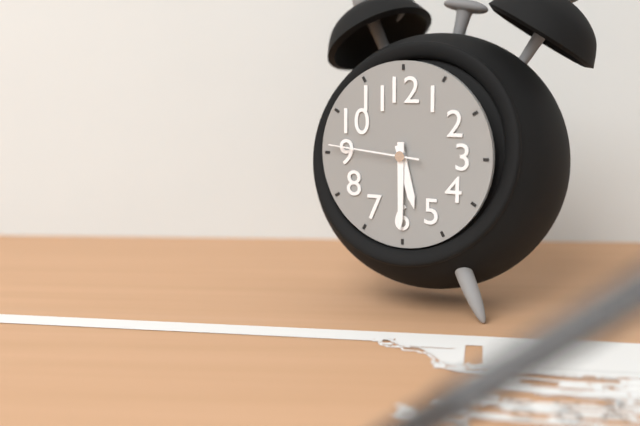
5:30:46
